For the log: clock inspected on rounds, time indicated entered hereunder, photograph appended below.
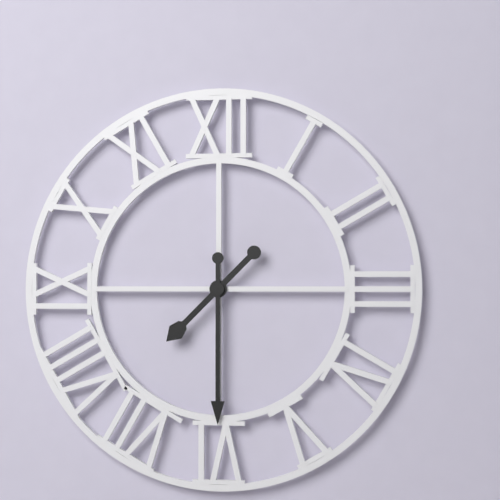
7:30
